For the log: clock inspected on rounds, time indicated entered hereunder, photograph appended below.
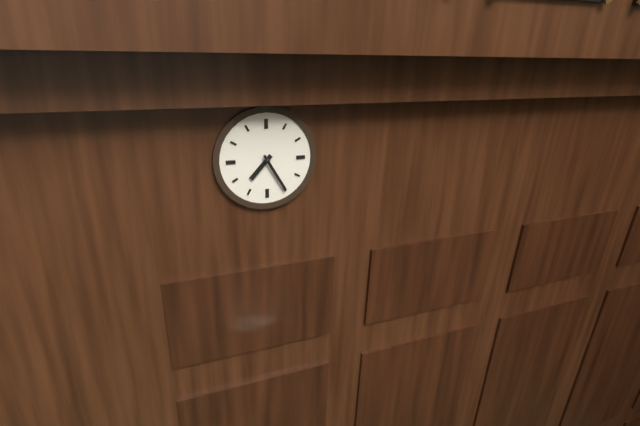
7:25
